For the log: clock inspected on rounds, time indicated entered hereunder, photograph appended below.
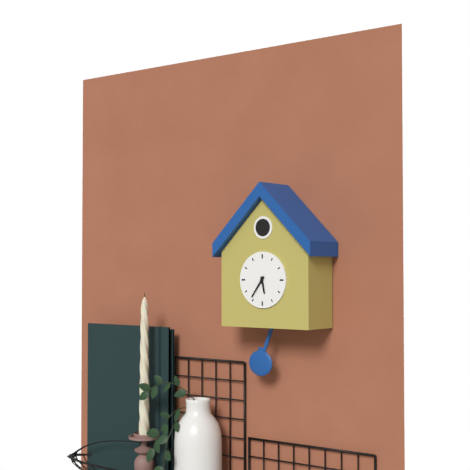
5:36
